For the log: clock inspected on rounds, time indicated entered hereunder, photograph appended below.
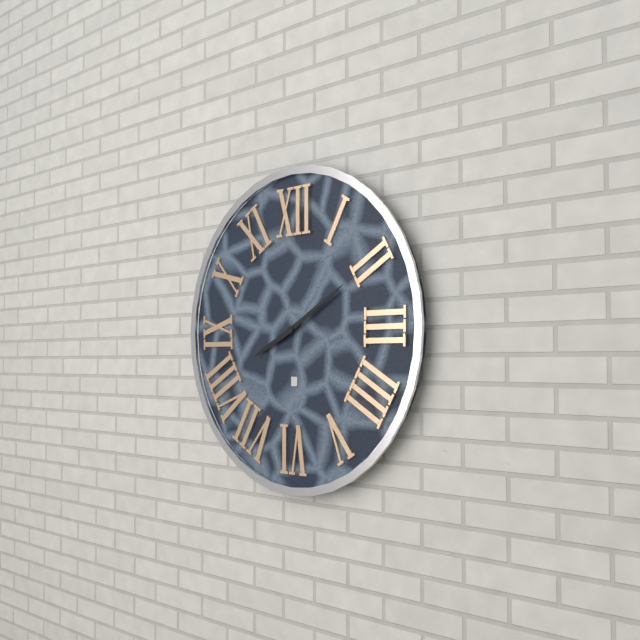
8:10
